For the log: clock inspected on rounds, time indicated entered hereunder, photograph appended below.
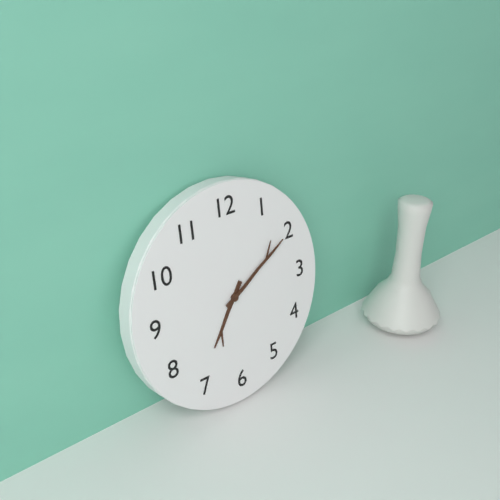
7:10
